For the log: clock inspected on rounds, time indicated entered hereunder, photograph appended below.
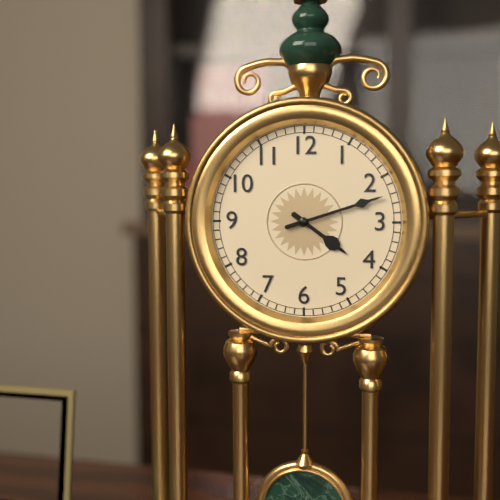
4:12
